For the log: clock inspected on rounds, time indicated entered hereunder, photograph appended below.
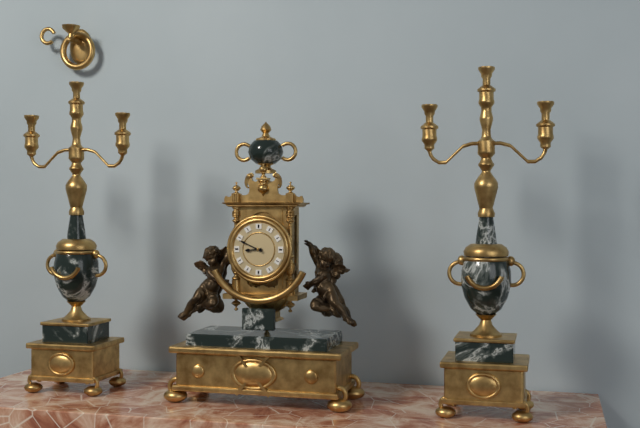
8:49
